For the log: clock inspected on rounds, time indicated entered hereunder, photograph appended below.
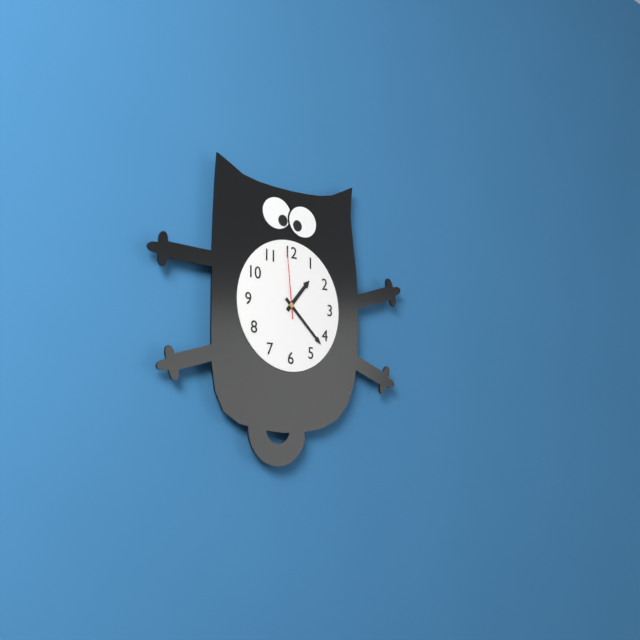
1:22:59
